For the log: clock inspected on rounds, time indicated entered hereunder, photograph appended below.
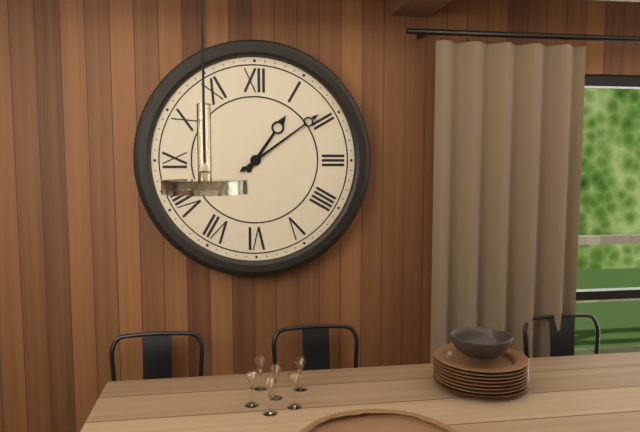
1:09
